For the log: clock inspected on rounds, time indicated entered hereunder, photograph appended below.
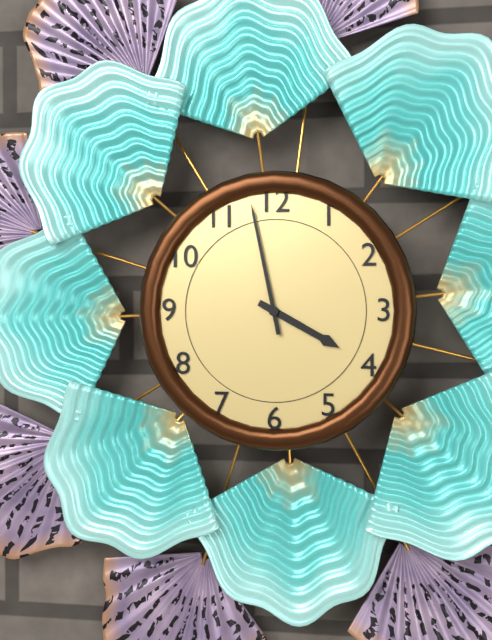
3:58
